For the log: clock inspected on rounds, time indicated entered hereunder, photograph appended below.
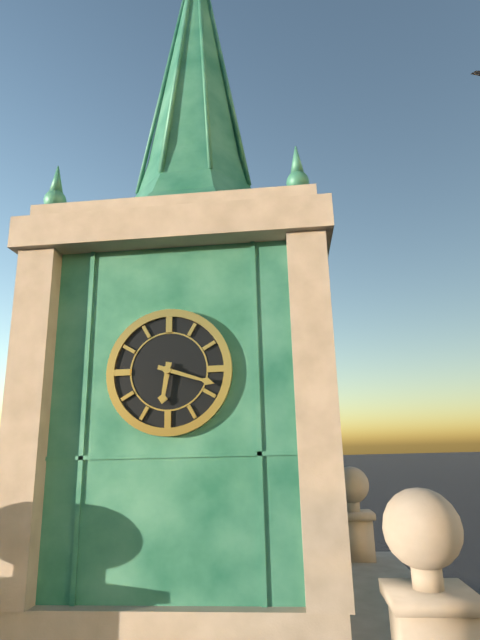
6:18
